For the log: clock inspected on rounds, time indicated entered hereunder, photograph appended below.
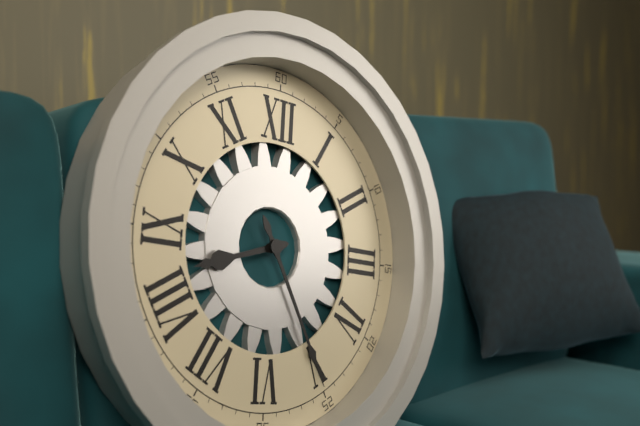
8:25
